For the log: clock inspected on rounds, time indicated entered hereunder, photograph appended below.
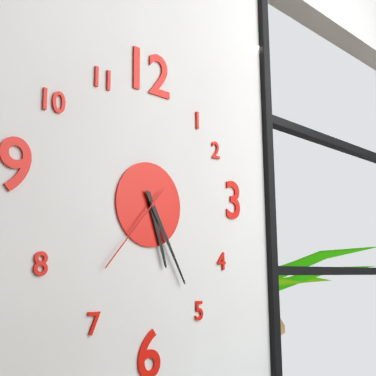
5:25:37
